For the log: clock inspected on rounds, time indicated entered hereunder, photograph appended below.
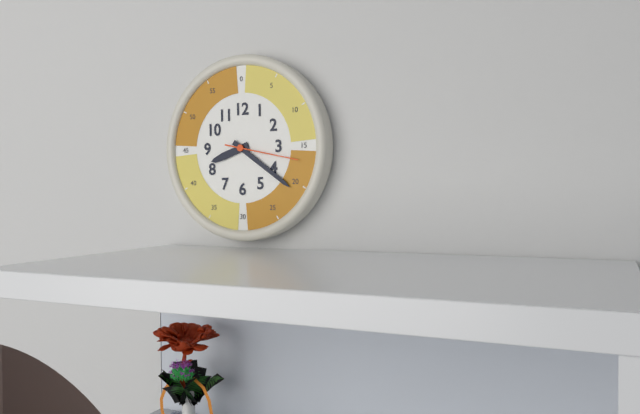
8:21:17
